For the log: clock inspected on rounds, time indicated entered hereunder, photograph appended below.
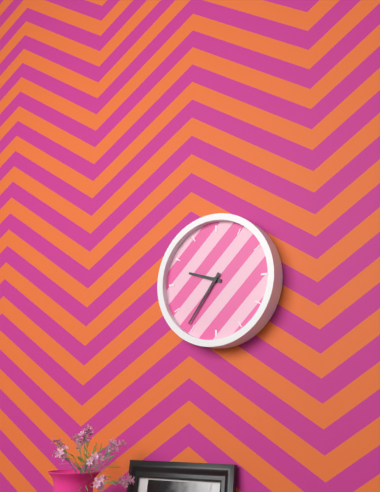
9:36
